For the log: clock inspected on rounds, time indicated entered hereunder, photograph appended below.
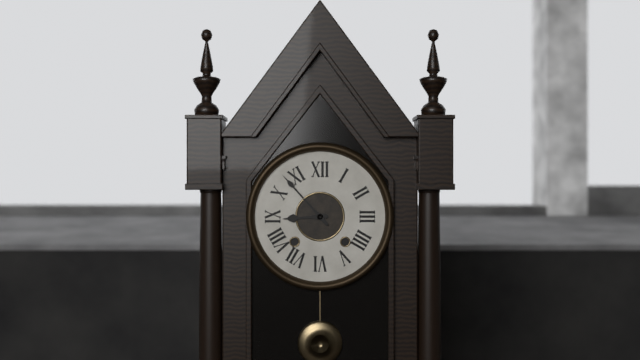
8:53
